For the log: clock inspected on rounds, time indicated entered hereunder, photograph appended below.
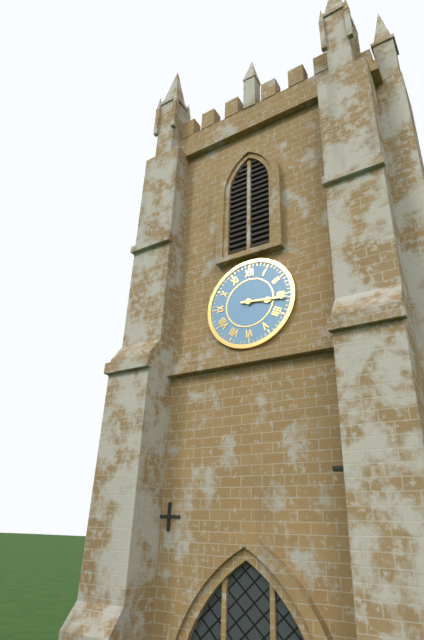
3:16
